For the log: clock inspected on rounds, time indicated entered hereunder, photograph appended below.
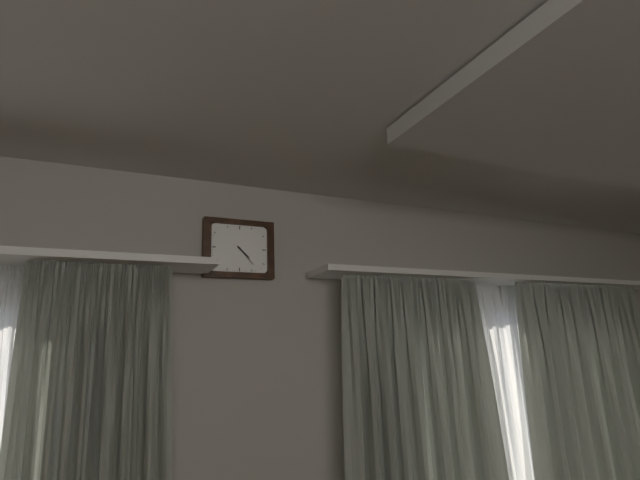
4:23
